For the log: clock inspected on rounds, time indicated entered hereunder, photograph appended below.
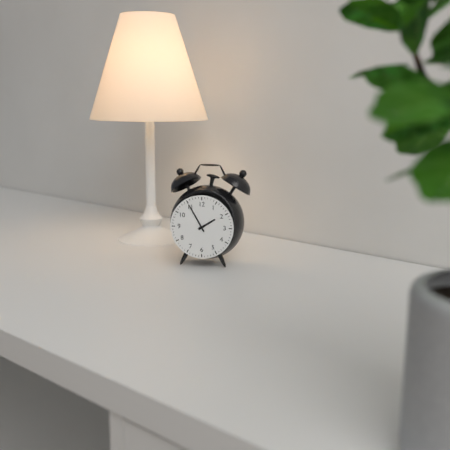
1:55
